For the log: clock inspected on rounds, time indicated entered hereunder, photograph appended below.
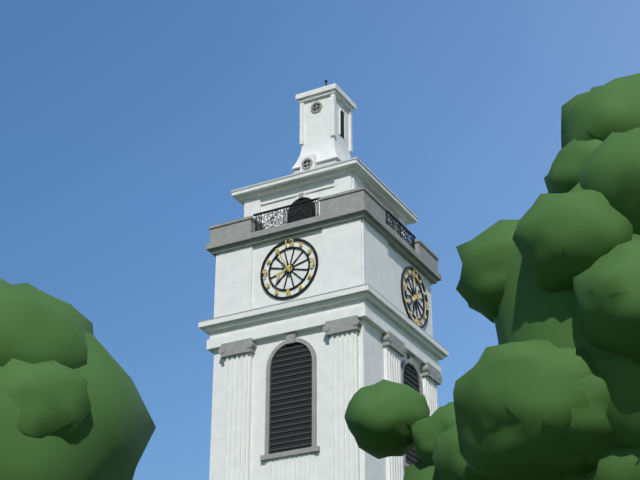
7:55
